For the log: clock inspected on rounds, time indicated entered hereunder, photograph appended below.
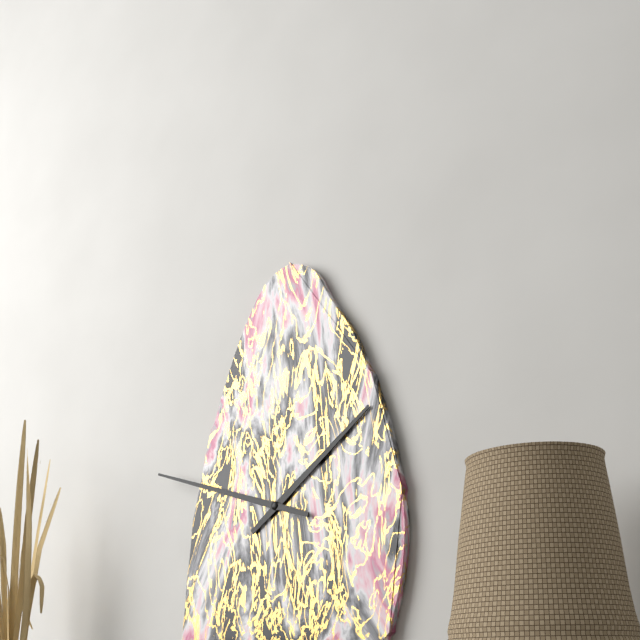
1:48
